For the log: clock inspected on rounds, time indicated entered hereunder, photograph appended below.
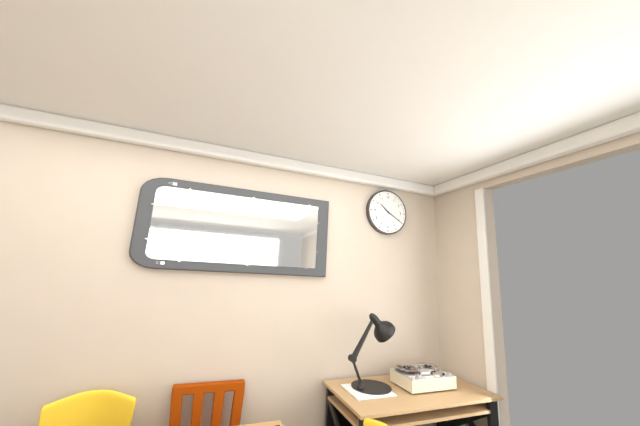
10:20
